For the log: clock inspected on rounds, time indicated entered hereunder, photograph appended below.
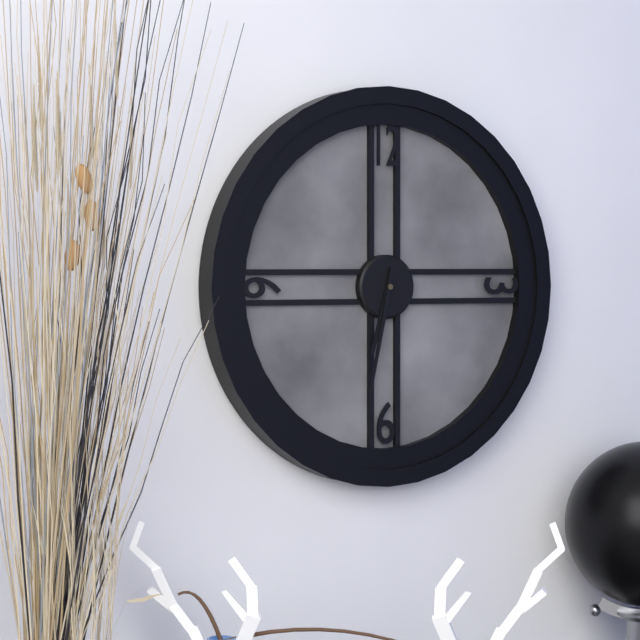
6:32
